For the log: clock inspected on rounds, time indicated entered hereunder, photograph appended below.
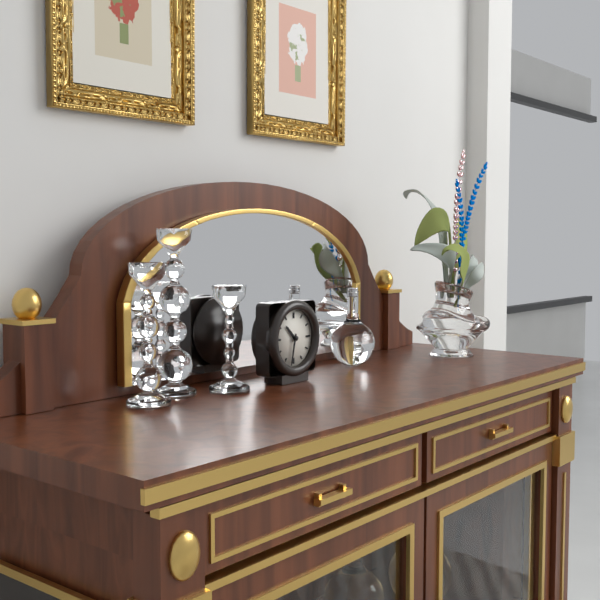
10:32
